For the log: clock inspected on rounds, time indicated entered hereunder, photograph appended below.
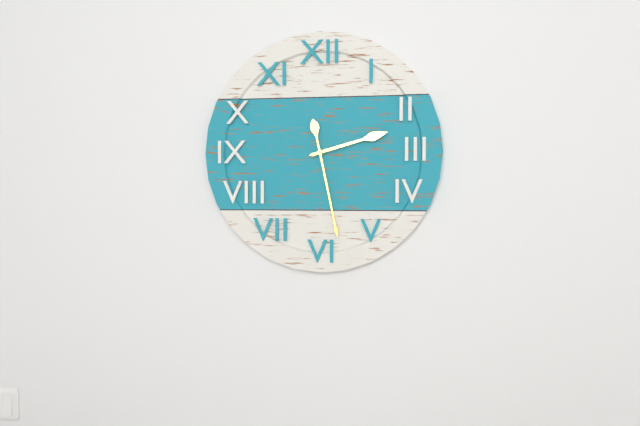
2:28
